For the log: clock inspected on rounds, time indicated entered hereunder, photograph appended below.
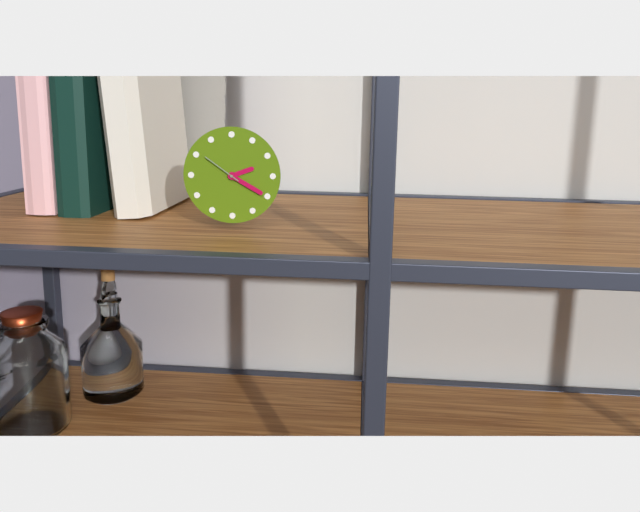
2:20
